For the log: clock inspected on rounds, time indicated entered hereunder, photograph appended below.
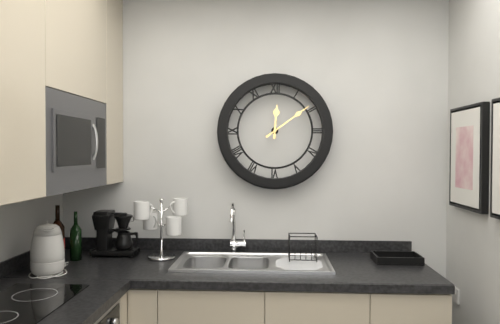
12:09
